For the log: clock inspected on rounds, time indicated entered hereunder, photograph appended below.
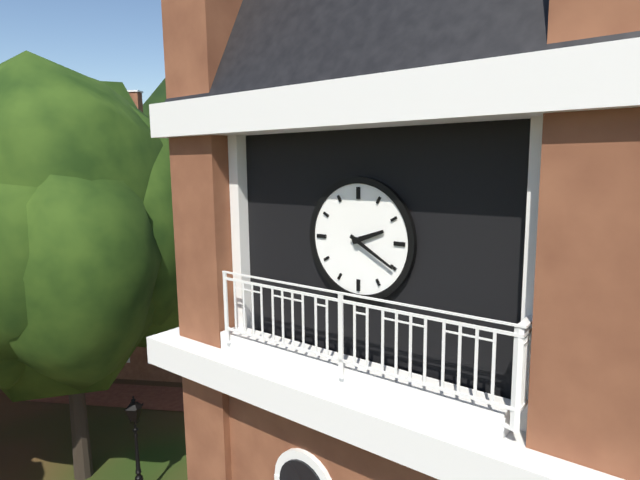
2:20
